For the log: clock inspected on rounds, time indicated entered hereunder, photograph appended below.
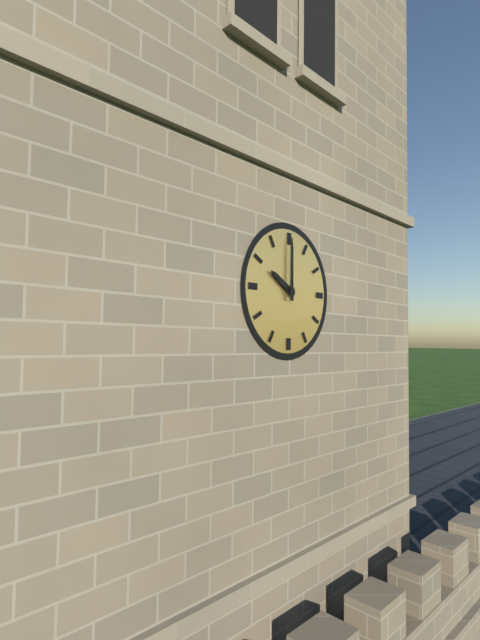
10:00
